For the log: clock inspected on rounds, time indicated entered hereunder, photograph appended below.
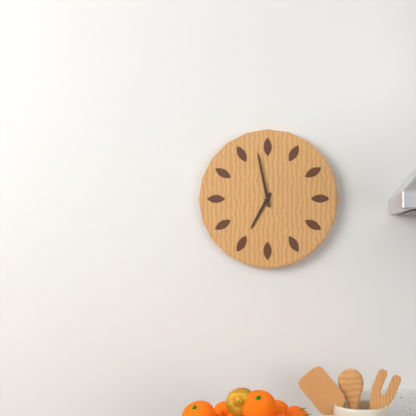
6:58
